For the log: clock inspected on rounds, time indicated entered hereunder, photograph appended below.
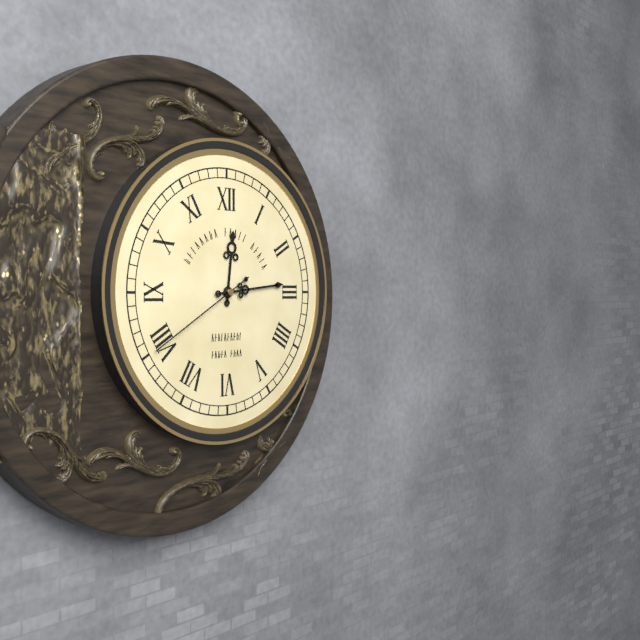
12:14:40
